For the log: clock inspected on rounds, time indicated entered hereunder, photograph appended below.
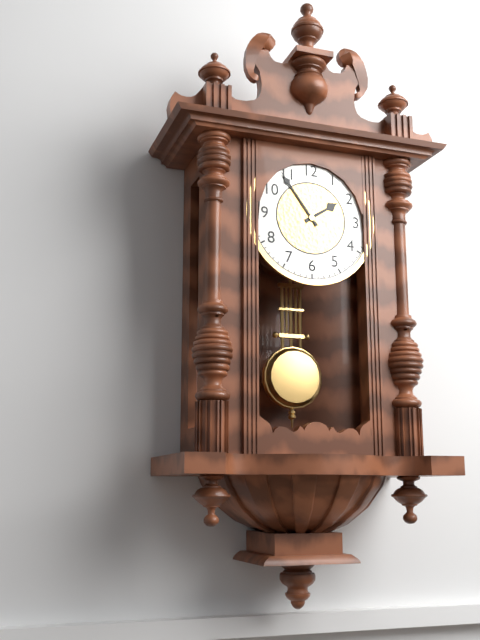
1:54
